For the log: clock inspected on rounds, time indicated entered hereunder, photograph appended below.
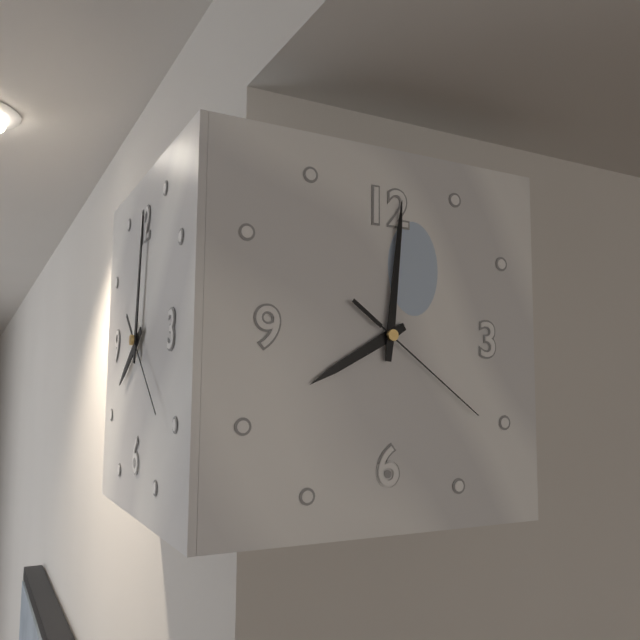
8:01:21
